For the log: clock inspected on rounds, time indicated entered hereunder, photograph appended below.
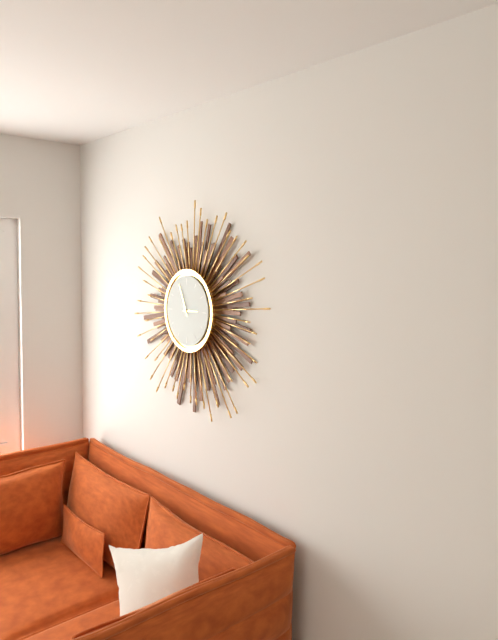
2:56
